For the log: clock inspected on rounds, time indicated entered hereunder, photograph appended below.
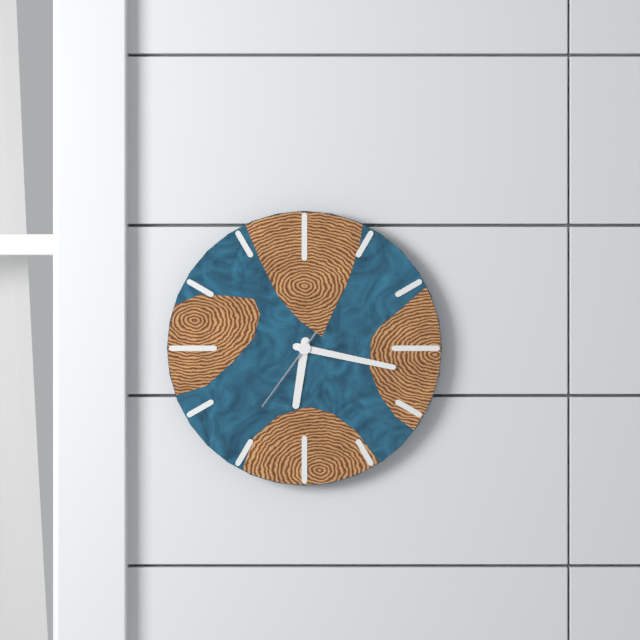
6:17:36
